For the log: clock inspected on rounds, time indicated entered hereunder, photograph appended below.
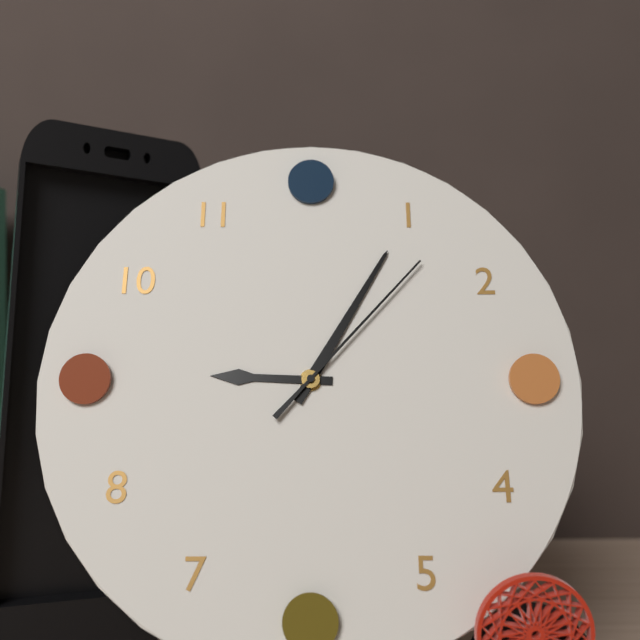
9:05:07
